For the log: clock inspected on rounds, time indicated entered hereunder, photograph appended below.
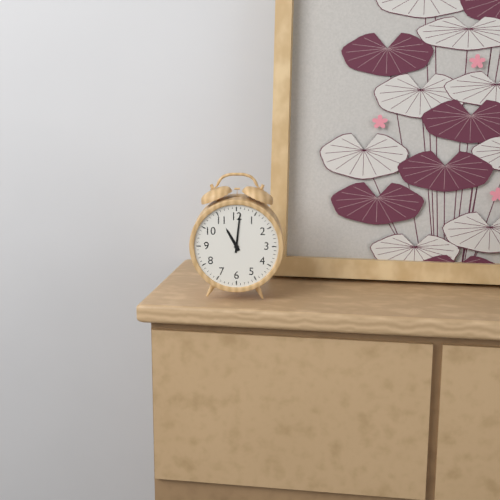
11:01
